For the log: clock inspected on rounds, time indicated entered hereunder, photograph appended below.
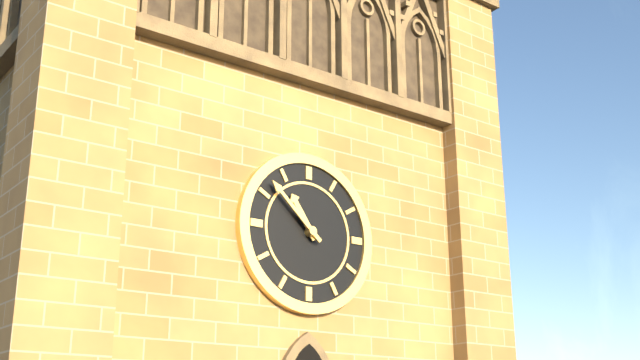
10:52
